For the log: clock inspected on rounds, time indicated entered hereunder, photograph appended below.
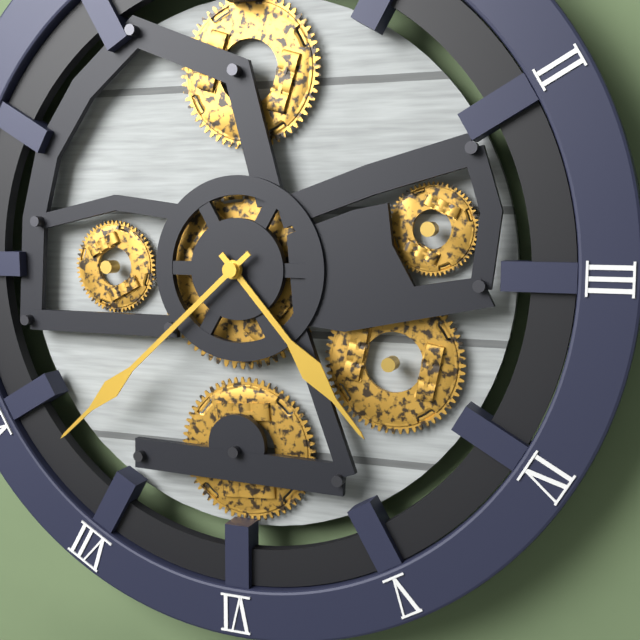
4:38
